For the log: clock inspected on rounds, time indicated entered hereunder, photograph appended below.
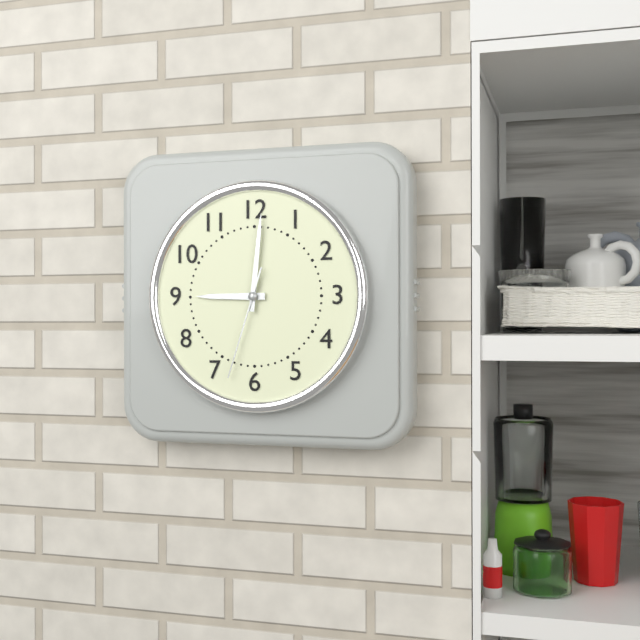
9:01:33
